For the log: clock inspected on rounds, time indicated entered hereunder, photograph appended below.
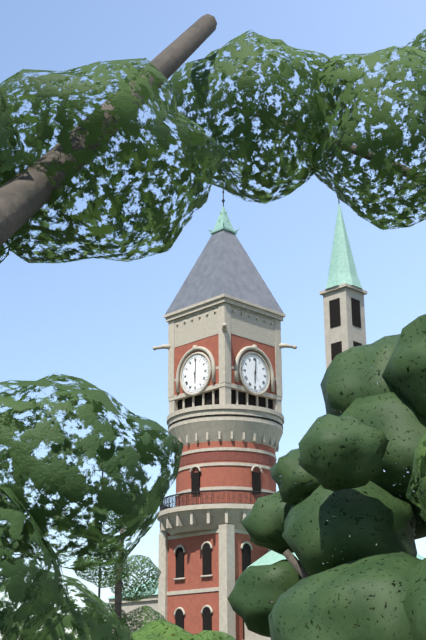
6:01
